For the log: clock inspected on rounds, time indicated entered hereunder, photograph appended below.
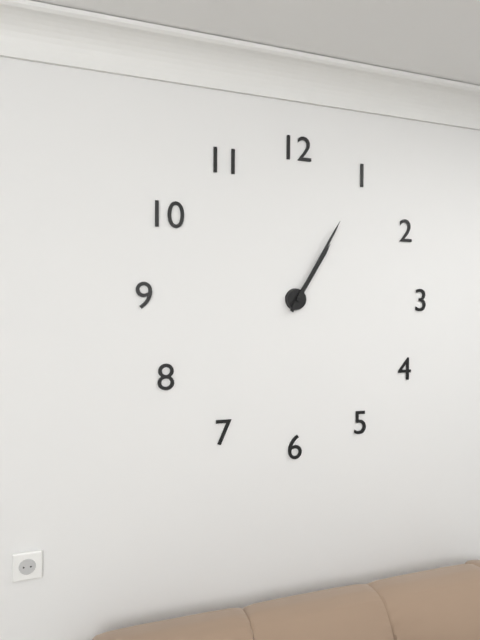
1:05
